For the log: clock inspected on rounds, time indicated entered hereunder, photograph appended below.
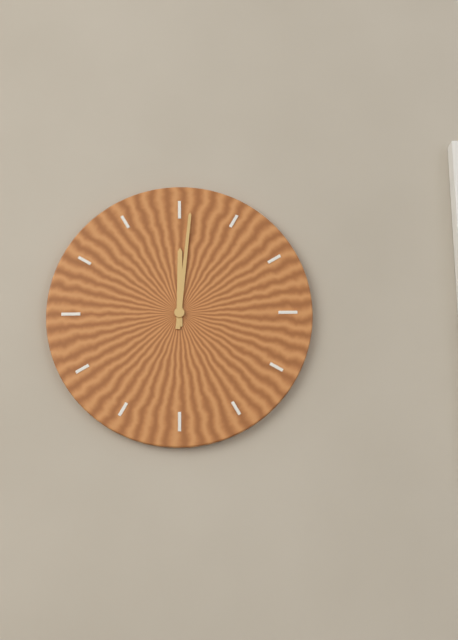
12:01
